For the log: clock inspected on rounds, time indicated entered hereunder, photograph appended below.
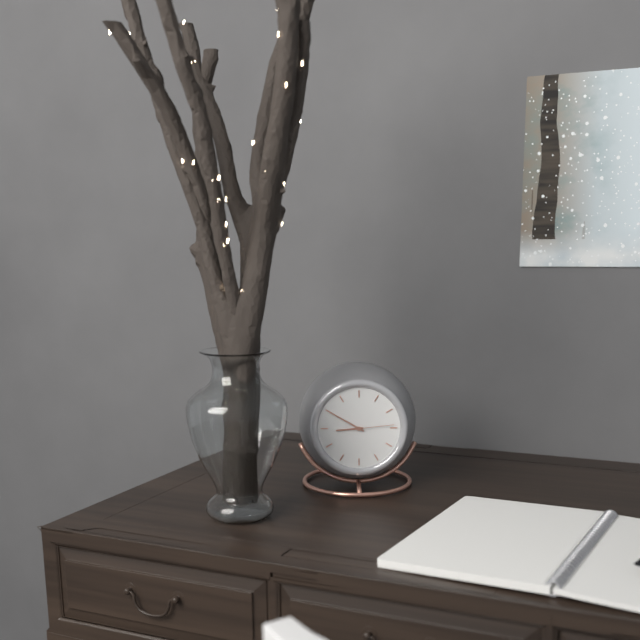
8:50
